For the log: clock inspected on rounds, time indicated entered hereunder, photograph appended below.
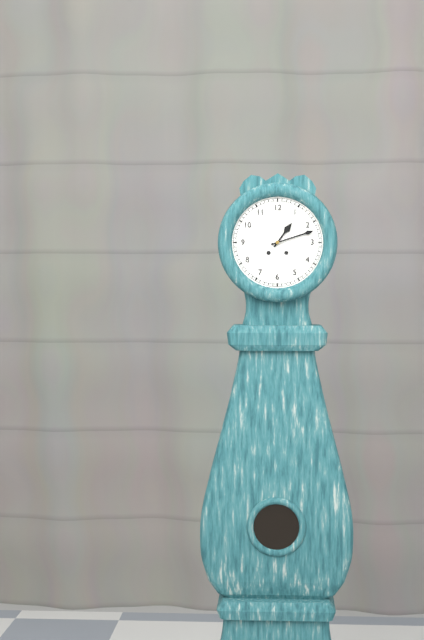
1:12
